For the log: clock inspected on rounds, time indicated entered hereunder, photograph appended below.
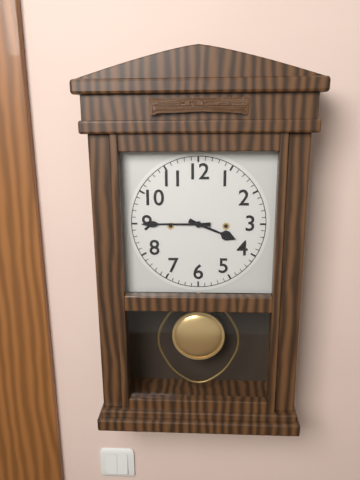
3:45
